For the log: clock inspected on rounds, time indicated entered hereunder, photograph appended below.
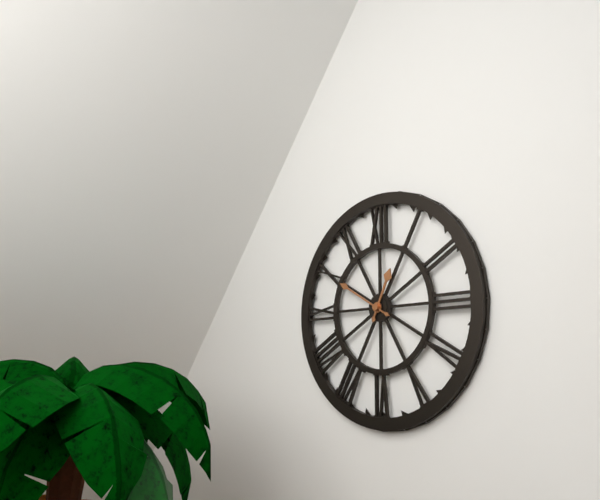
12:50
